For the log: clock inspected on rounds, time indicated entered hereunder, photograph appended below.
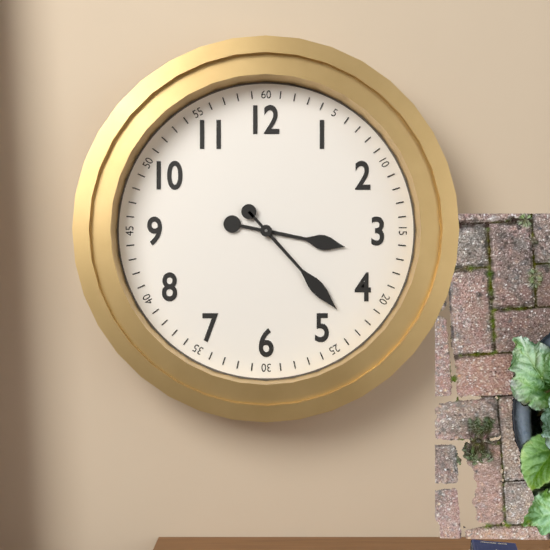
3:23
